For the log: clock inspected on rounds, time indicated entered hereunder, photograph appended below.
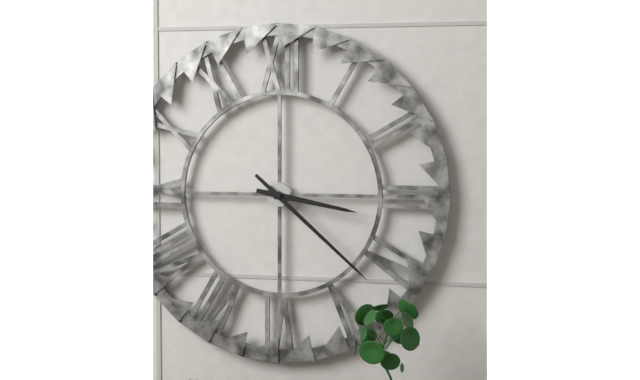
3:22
